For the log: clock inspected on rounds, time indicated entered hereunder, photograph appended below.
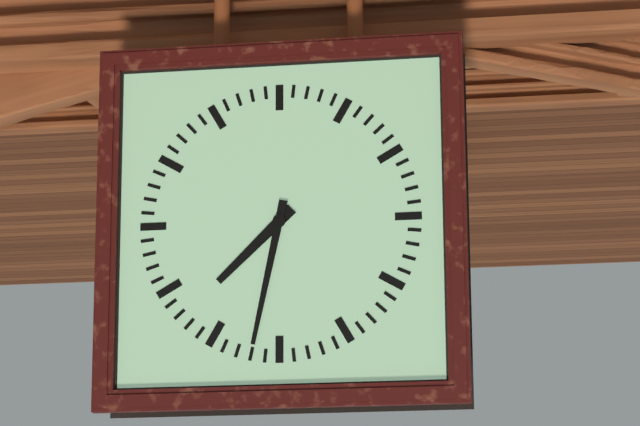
7:32
